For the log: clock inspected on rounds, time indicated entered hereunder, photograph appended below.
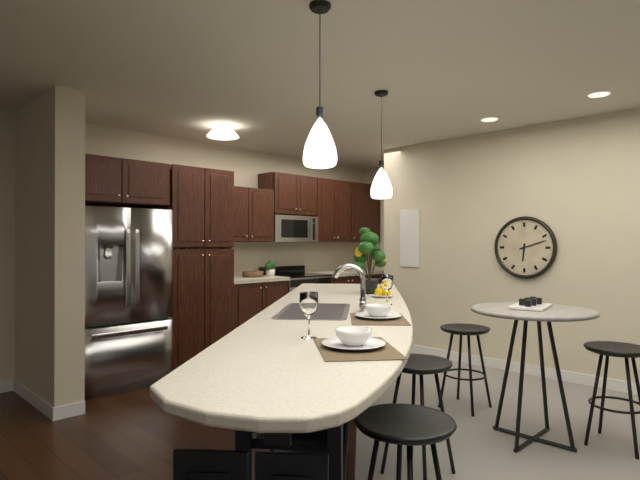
6:12
